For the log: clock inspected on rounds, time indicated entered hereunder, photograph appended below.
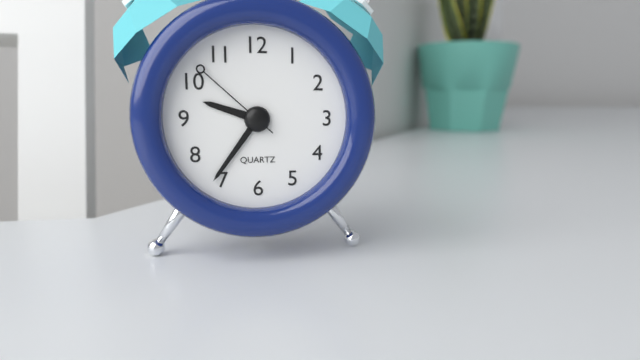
9:36:52
